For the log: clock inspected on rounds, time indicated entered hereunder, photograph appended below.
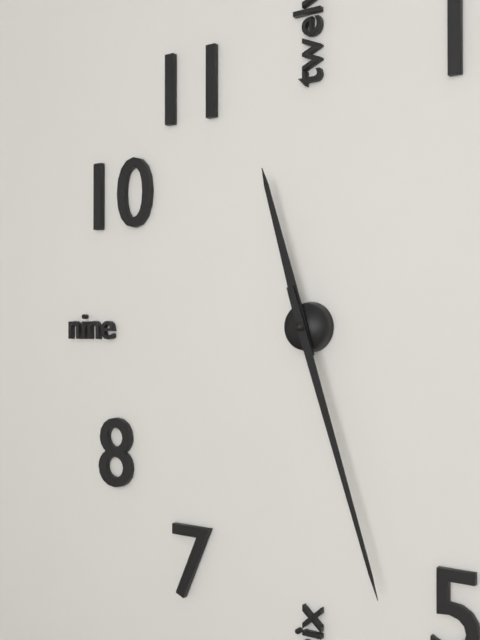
11:27
